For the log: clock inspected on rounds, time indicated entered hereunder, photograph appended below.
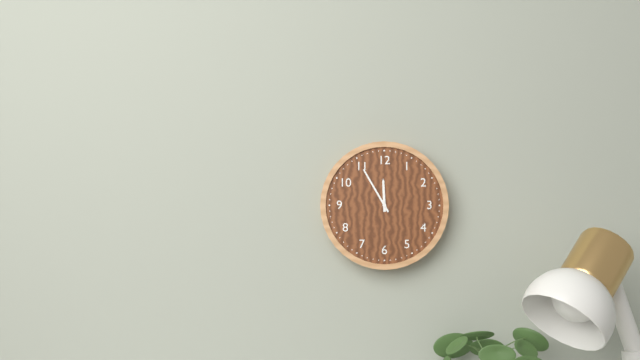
11:55
